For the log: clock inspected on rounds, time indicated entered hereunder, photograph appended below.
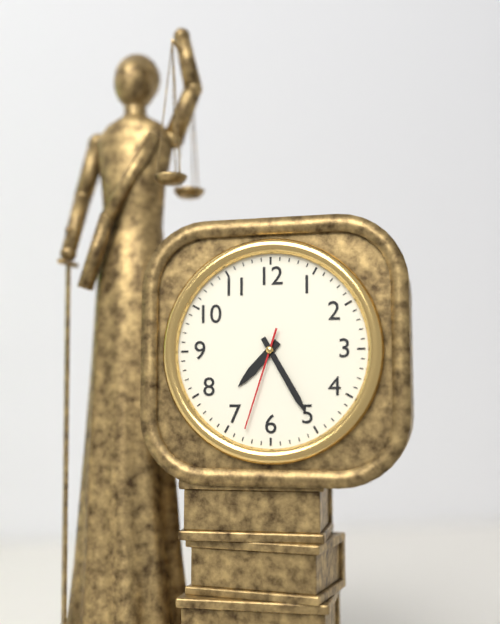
7:25:33
